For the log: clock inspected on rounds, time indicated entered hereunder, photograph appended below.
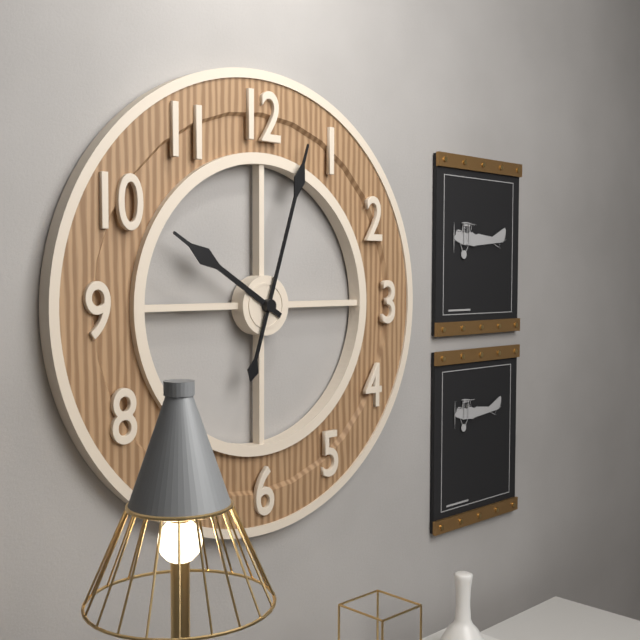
10:03
